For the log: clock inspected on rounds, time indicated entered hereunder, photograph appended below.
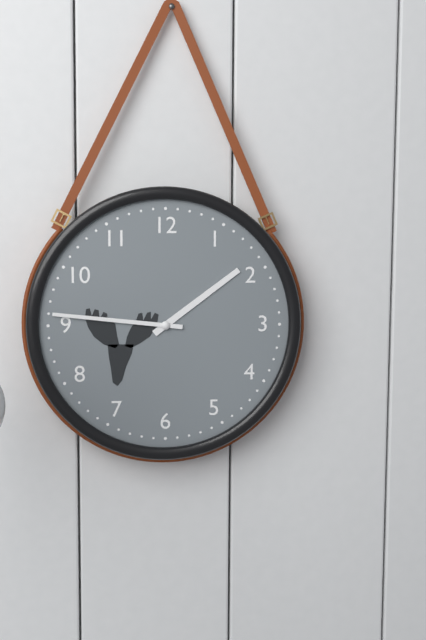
1:46
